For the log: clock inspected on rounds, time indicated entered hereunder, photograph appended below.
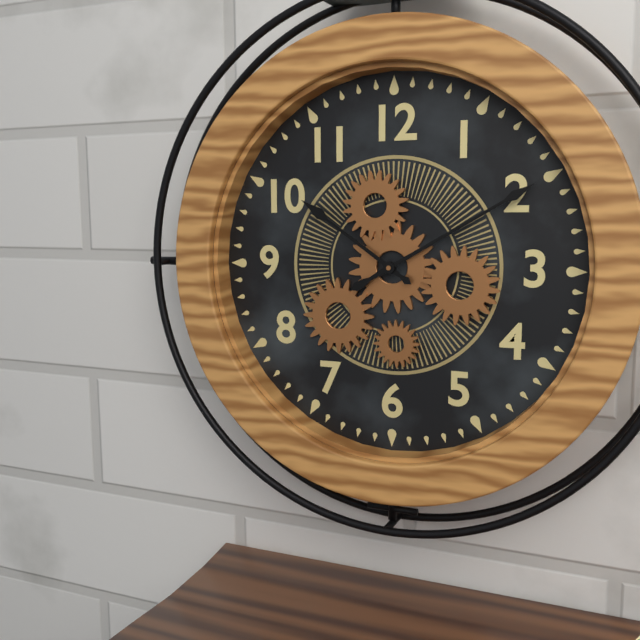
10:10
